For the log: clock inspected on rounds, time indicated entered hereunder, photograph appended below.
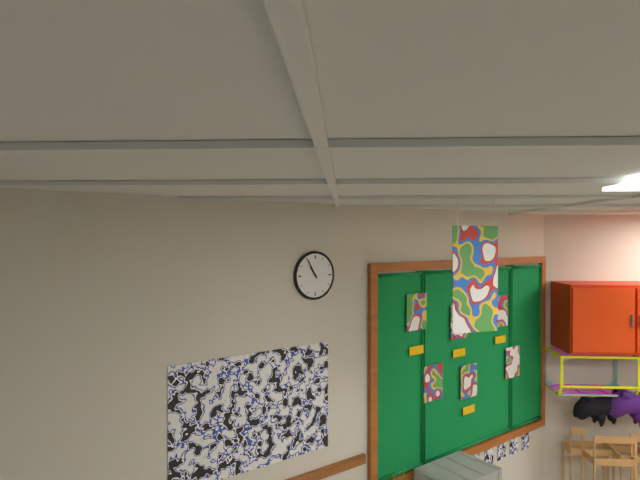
10:55
